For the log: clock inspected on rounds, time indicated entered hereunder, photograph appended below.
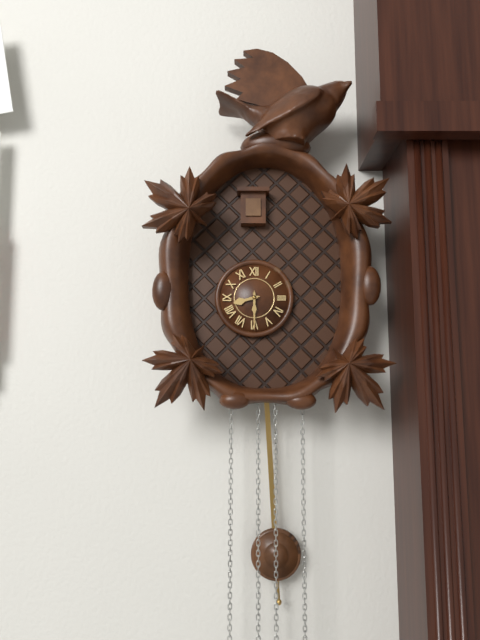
8:30
